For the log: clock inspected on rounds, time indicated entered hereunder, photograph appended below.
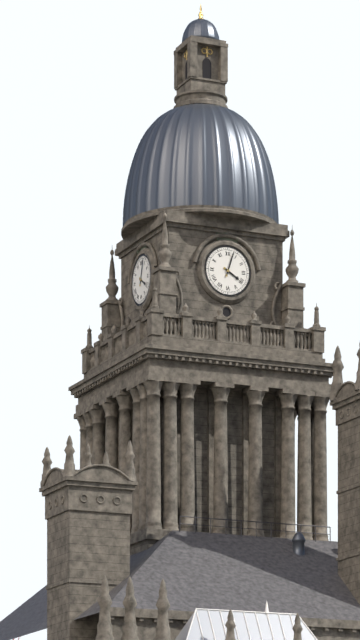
4:03
